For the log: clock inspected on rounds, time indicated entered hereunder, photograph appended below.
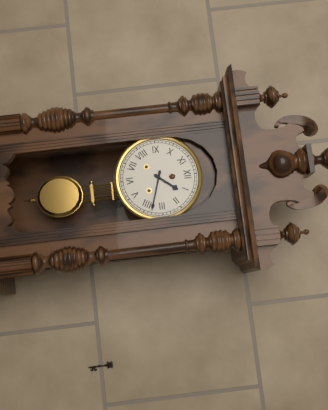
1:18
